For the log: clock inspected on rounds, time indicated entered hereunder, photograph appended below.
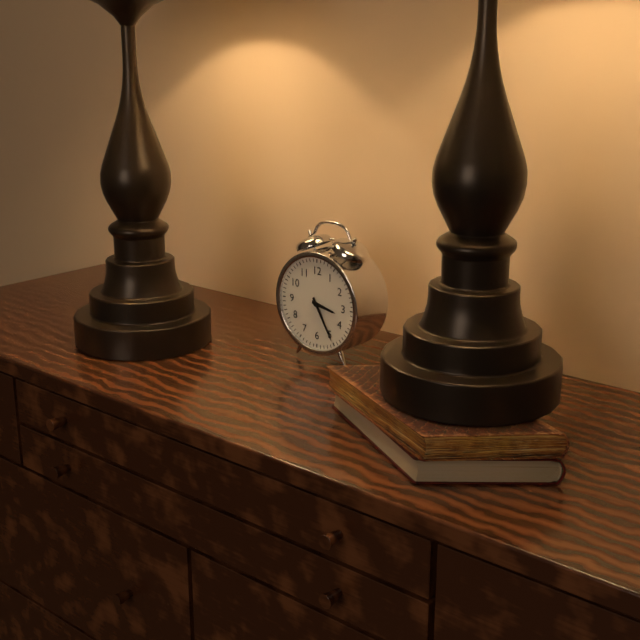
3:25
